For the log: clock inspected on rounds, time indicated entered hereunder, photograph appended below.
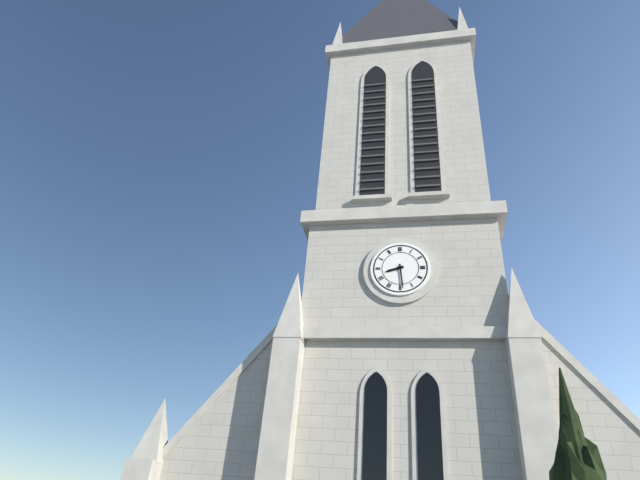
8:29
